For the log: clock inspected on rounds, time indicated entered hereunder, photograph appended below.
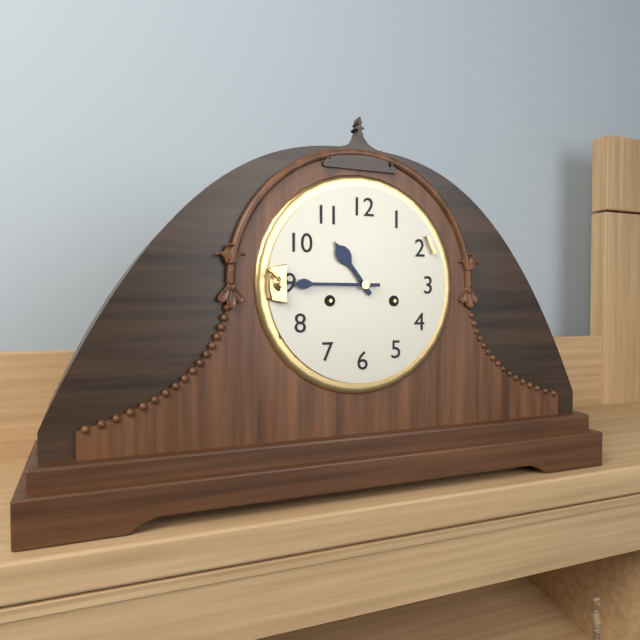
10:45
